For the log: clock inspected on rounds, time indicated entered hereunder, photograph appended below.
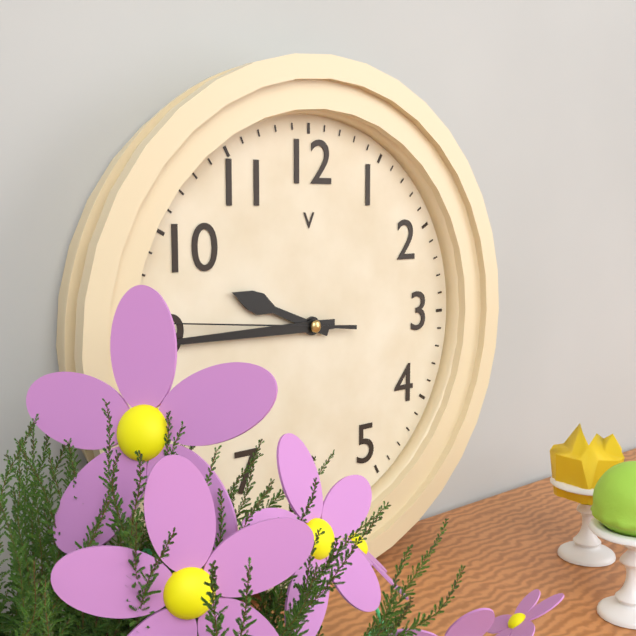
9:45:46
